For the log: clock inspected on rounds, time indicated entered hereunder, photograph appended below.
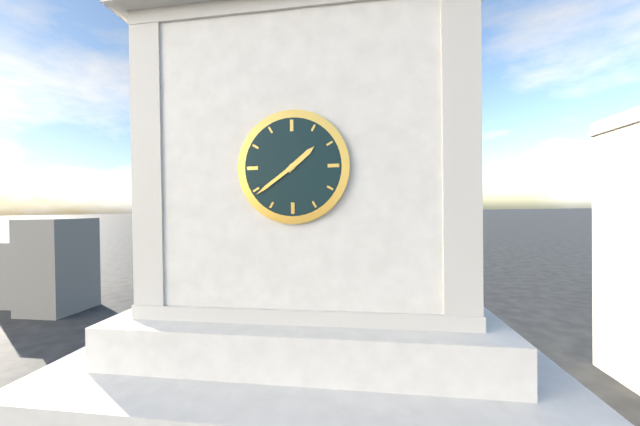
1:39
